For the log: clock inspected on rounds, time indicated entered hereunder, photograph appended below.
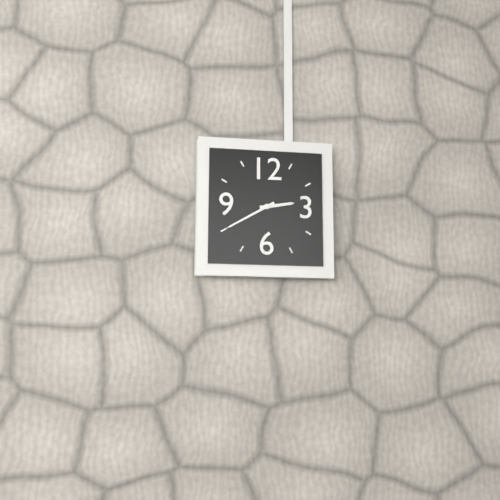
2:40
